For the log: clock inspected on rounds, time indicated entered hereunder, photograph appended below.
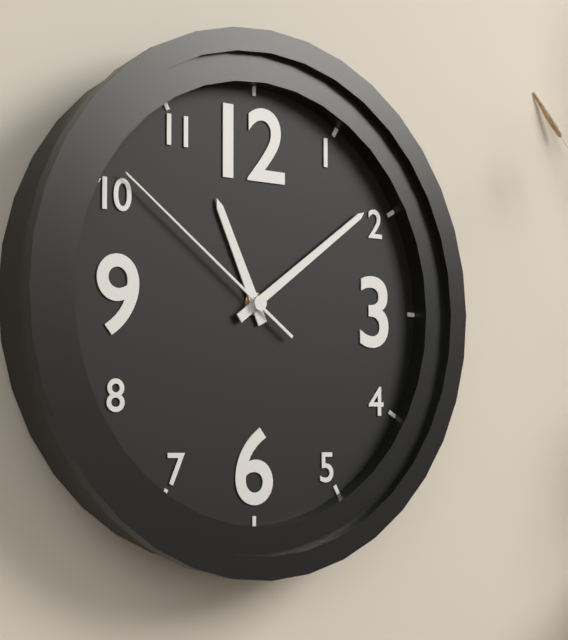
11:09:51
